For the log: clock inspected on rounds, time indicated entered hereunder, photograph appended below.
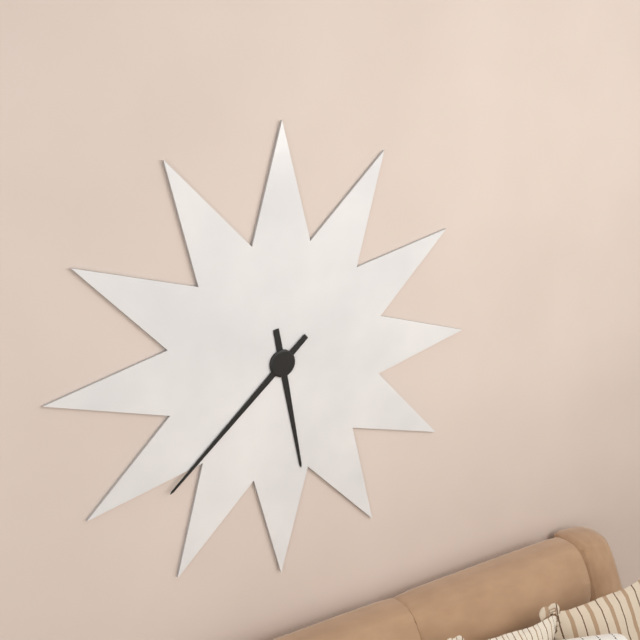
5:38
